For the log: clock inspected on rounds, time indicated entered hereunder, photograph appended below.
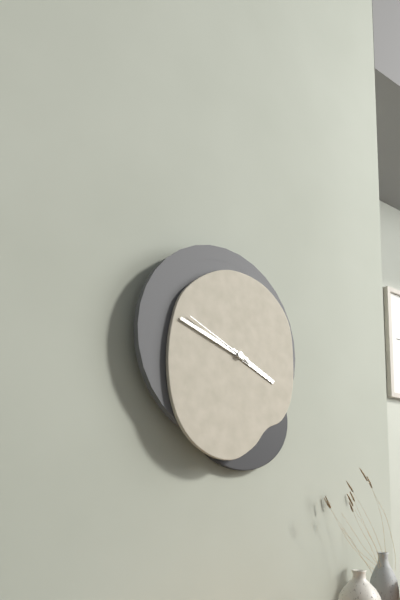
3:48:49
